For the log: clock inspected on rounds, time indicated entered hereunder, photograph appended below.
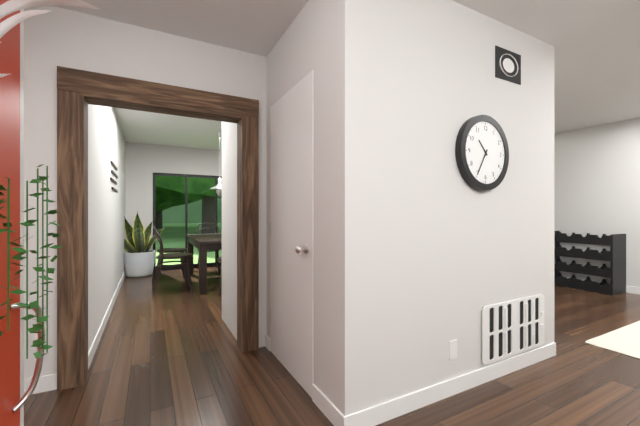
10:35
